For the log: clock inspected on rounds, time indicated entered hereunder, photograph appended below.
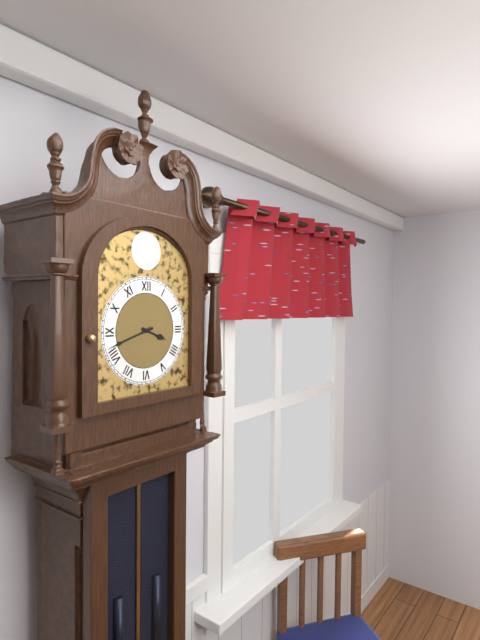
3:42
